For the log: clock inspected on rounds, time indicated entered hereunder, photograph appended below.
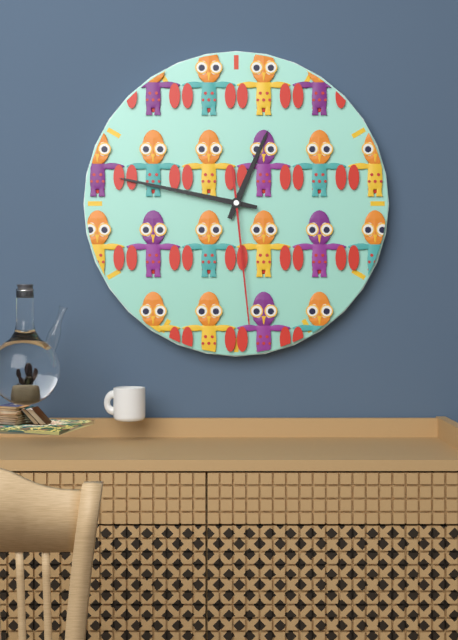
12:47:29
